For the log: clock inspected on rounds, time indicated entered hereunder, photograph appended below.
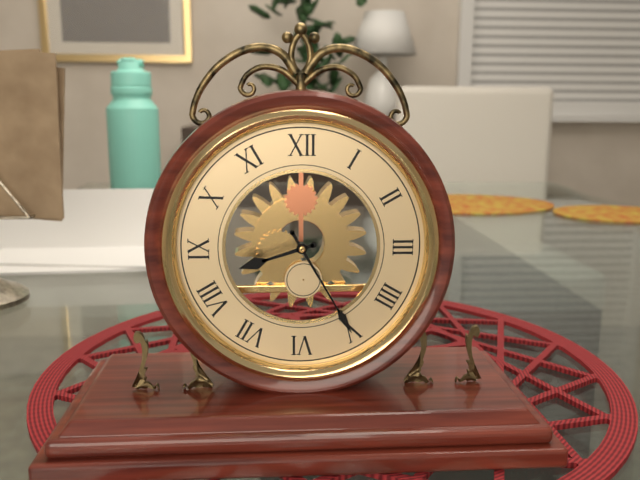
8:25
